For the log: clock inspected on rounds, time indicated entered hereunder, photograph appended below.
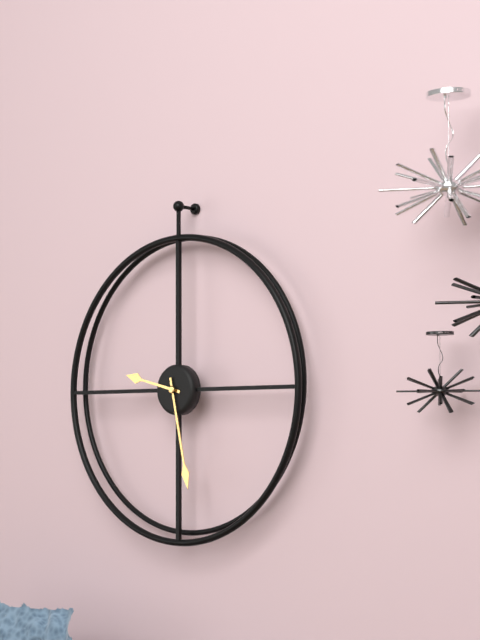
9:28
